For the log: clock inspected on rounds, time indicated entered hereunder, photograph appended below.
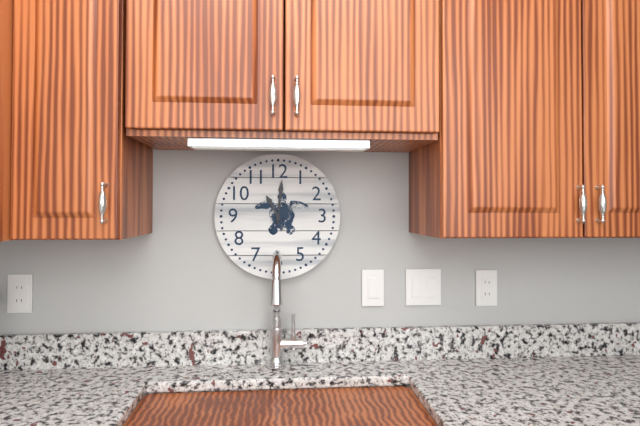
11:01
